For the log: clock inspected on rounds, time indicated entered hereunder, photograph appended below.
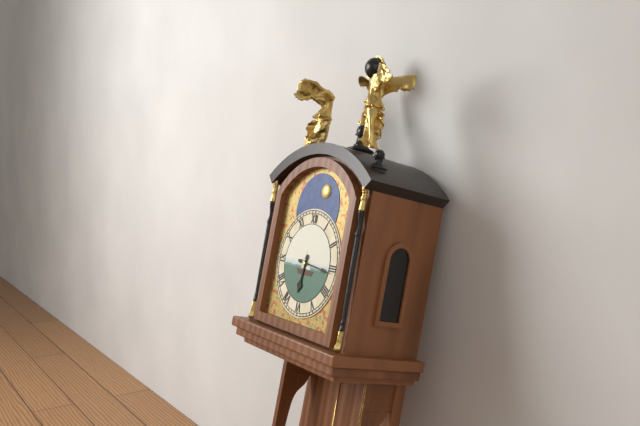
6:16
